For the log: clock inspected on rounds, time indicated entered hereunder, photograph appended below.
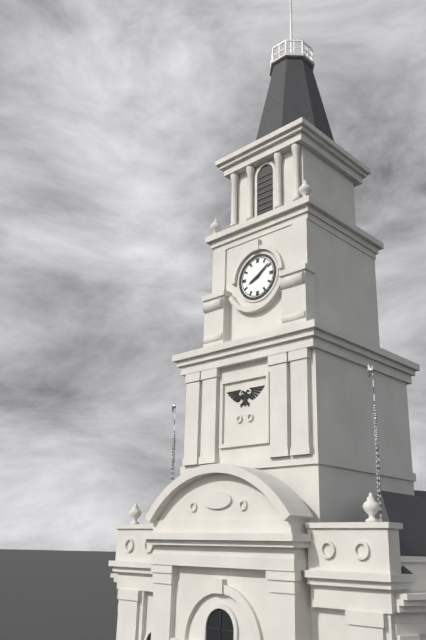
8:09
